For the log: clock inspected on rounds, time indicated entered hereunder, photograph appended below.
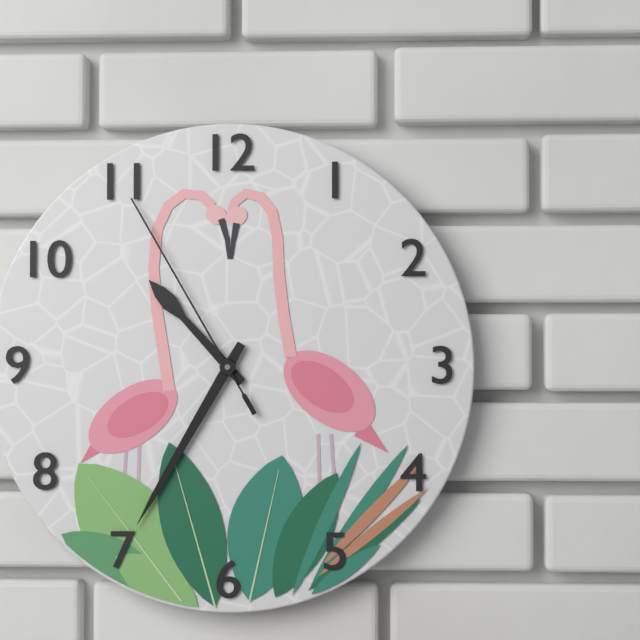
10:35:55
